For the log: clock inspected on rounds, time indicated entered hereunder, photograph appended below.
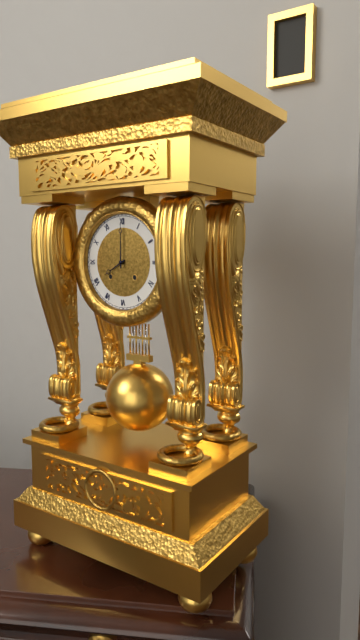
8:00
